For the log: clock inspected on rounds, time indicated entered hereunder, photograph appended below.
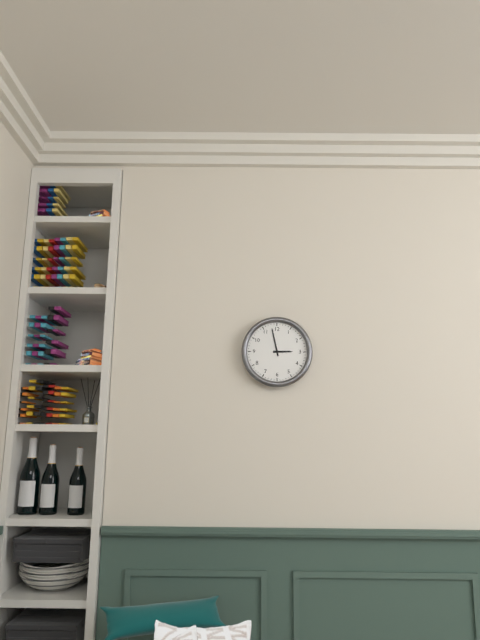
2:58
